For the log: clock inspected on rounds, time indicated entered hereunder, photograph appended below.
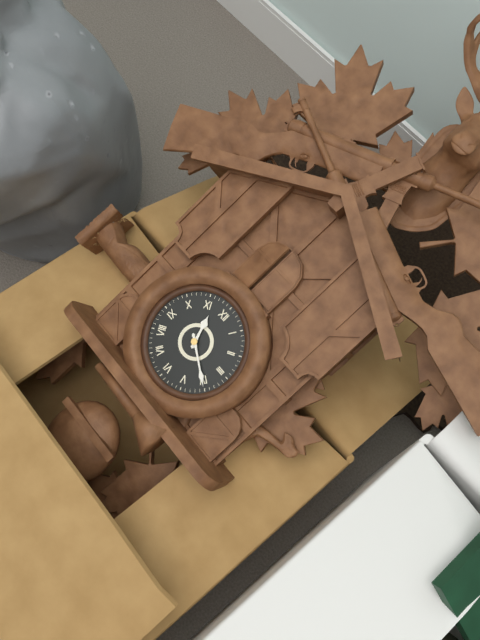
11:20
